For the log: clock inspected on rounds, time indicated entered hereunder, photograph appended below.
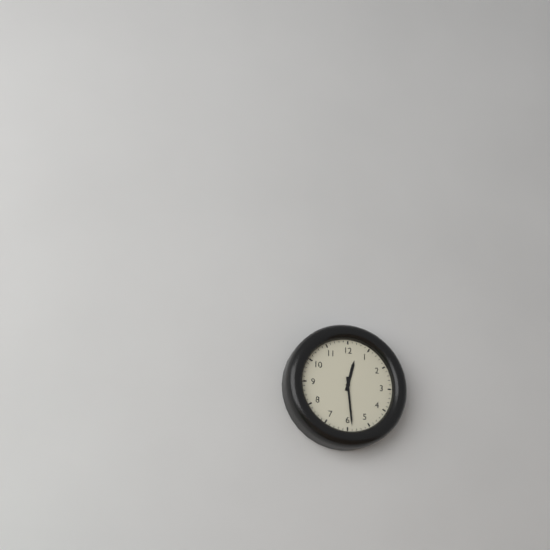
12:29
